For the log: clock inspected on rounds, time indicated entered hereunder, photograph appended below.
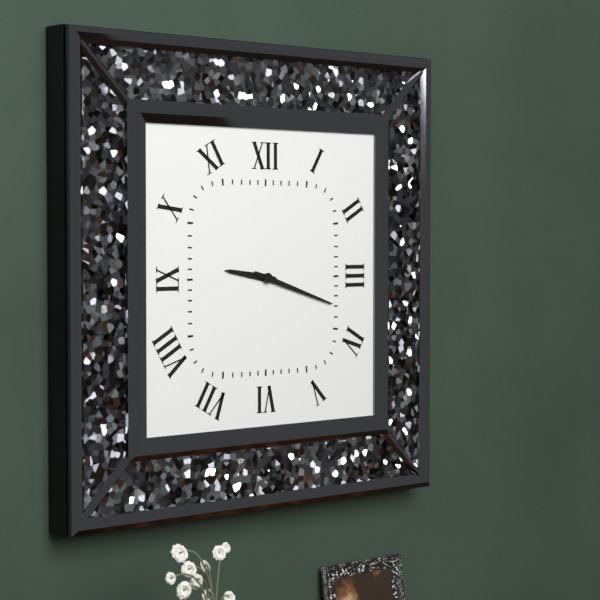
9:18
